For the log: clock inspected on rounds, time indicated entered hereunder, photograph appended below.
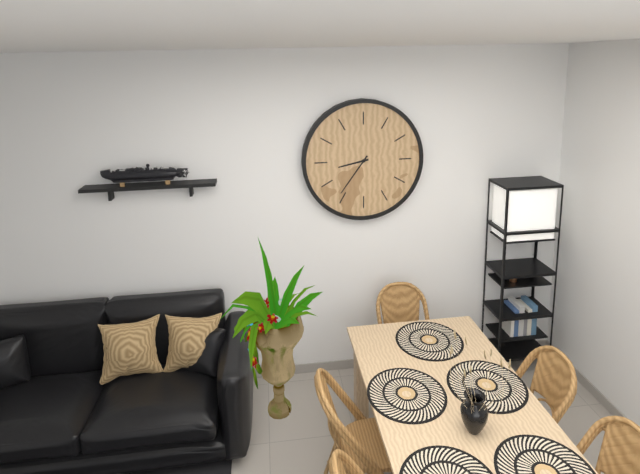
8:36
